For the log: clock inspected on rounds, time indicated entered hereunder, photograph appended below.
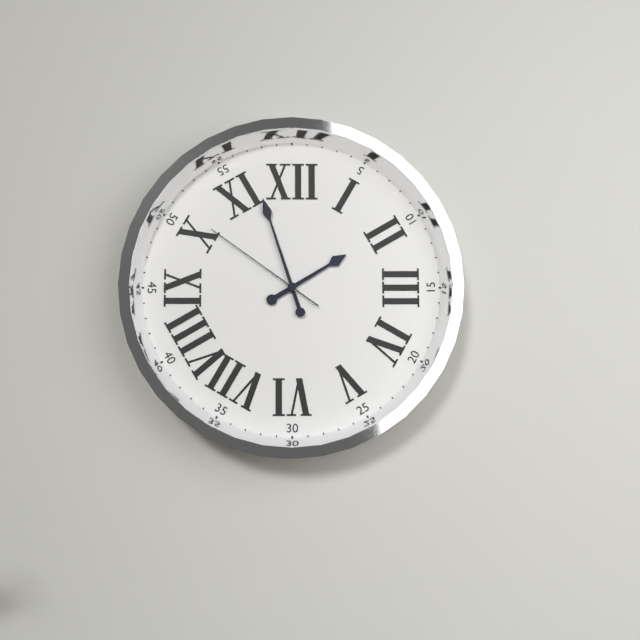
1:57:51
